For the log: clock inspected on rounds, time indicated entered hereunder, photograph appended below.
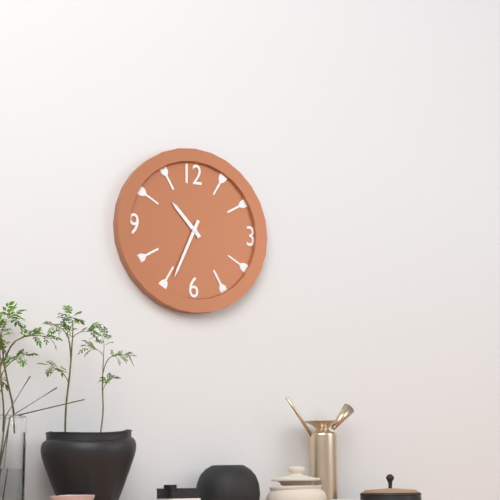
10:34
